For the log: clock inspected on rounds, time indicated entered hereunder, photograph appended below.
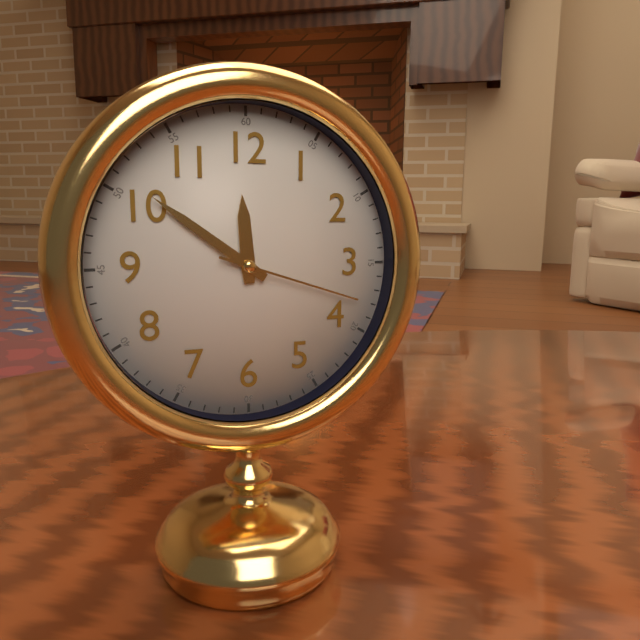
11:51:18
